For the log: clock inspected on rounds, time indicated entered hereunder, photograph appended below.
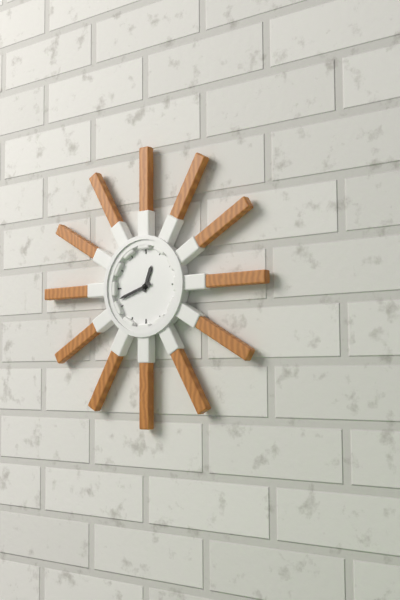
12:42
